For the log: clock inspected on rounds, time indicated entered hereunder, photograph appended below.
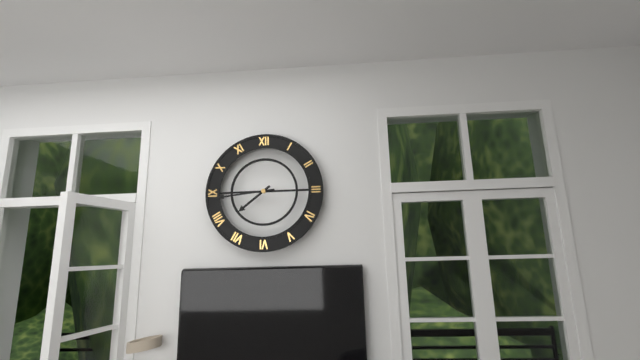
7:44
